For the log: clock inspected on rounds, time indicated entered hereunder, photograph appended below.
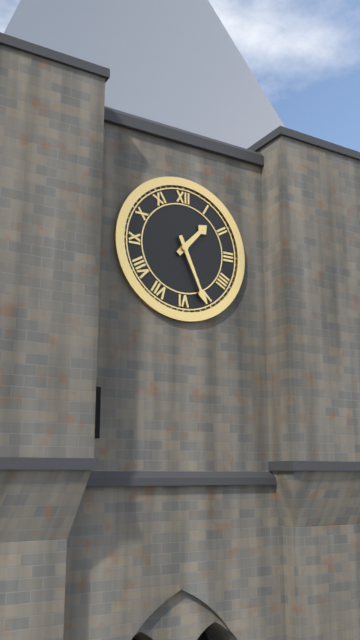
1:26
